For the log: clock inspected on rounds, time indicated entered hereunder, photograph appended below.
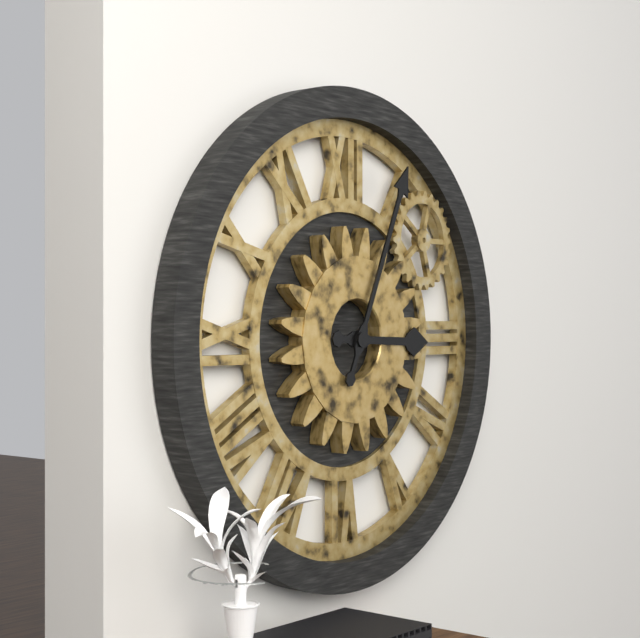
3:04
